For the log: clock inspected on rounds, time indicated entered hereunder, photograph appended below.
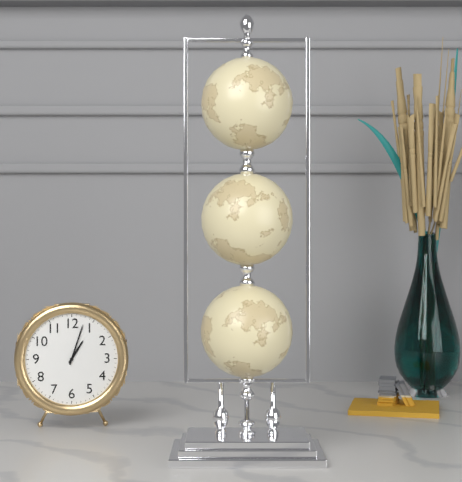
1:03
